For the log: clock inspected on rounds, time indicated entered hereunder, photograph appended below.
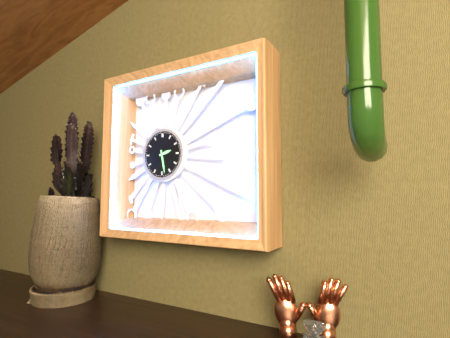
2:28
